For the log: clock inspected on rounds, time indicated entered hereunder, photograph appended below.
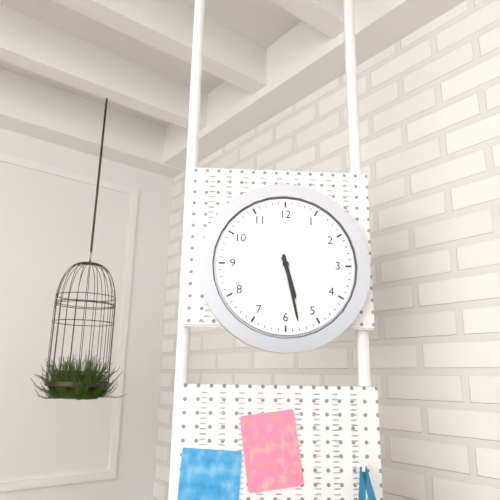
5:28
